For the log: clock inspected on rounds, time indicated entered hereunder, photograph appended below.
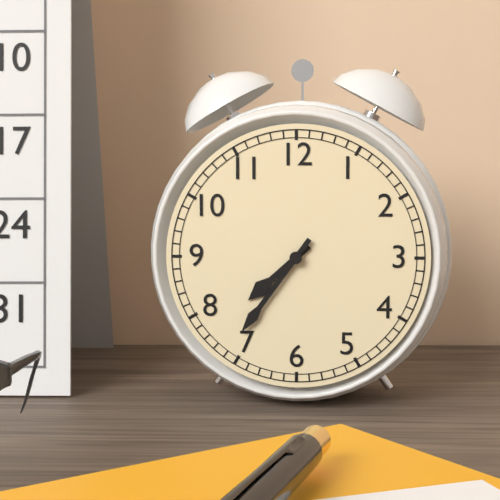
7:36
